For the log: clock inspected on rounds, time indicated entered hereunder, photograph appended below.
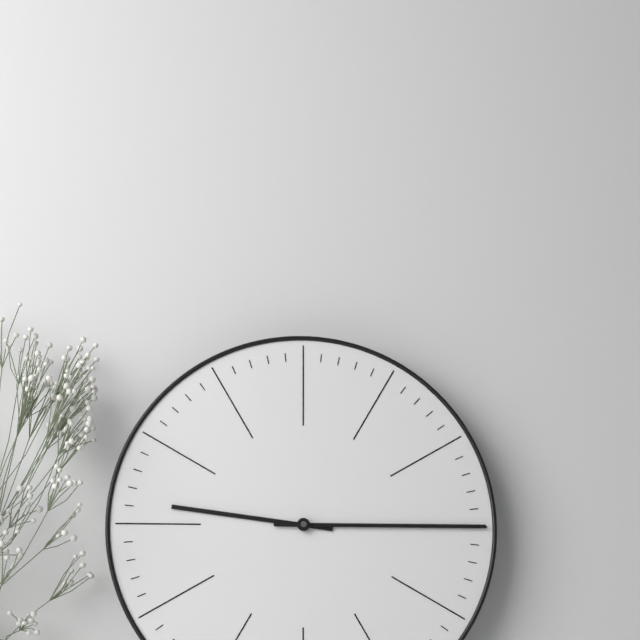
9:15
